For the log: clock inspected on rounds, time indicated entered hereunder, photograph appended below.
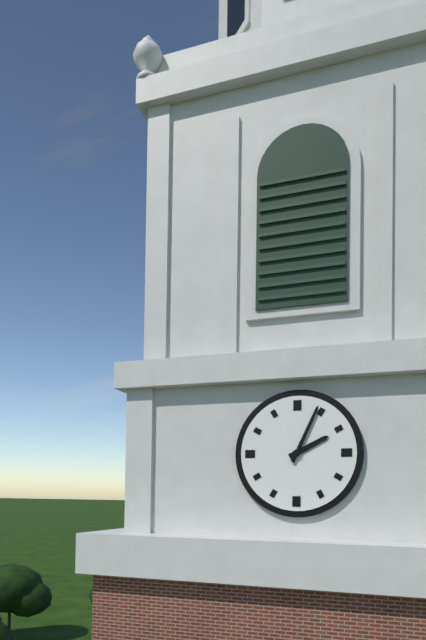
2:04
